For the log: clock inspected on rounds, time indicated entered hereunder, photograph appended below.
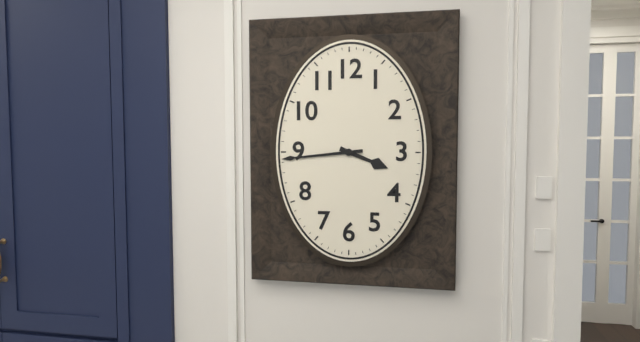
3:44
